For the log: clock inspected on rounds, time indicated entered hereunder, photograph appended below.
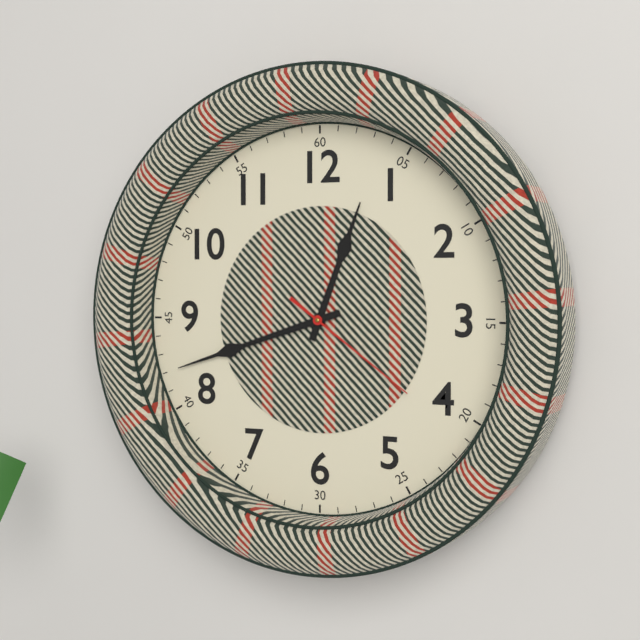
12:42:21
